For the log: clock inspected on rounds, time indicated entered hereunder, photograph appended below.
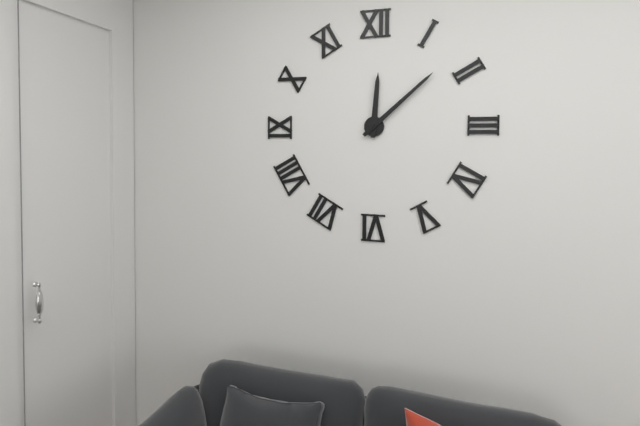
12:08
